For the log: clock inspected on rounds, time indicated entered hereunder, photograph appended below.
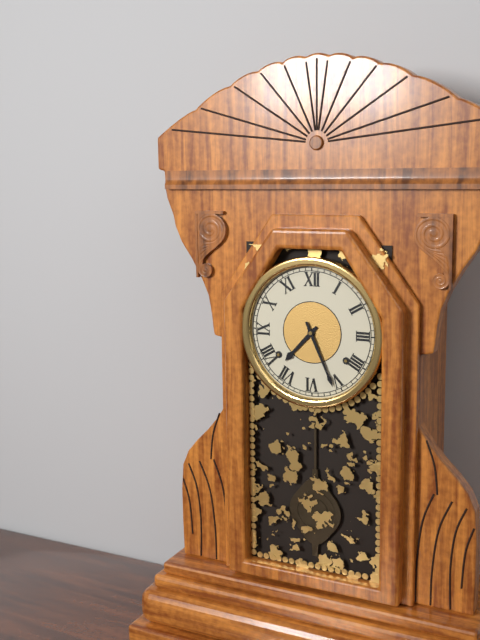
7:26
